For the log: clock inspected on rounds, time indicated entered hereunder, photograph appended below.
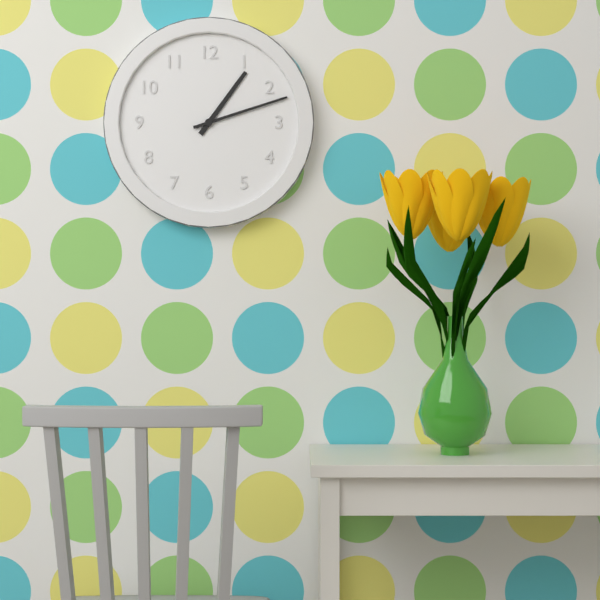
1:12
